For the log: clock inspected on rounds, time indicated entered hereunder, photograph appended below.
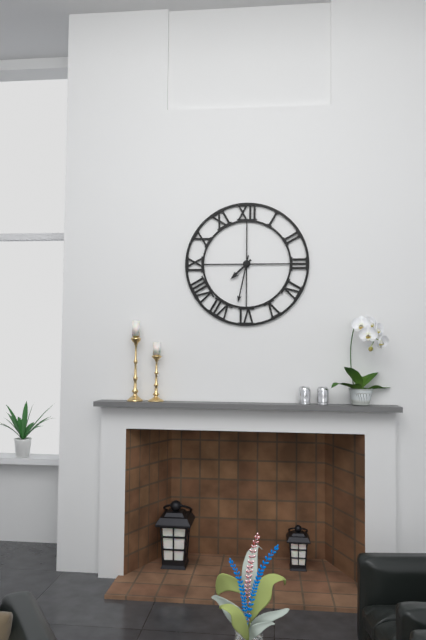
7:32
